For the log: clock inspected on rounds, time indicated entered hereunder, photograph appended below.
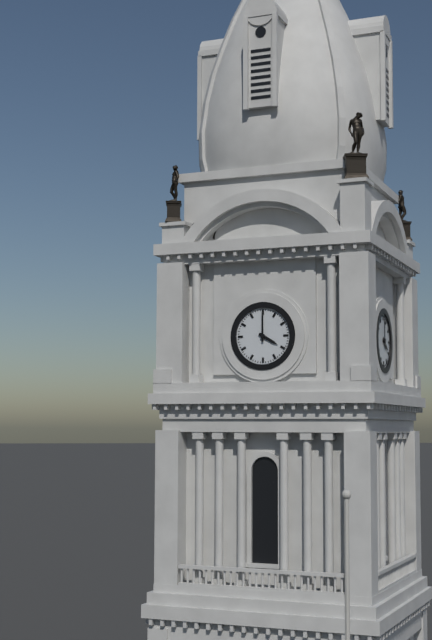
4:00
